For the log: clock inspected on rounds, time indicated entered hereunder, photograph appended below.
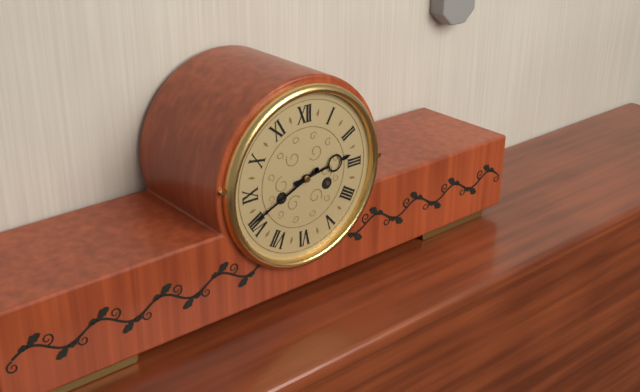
2:41
